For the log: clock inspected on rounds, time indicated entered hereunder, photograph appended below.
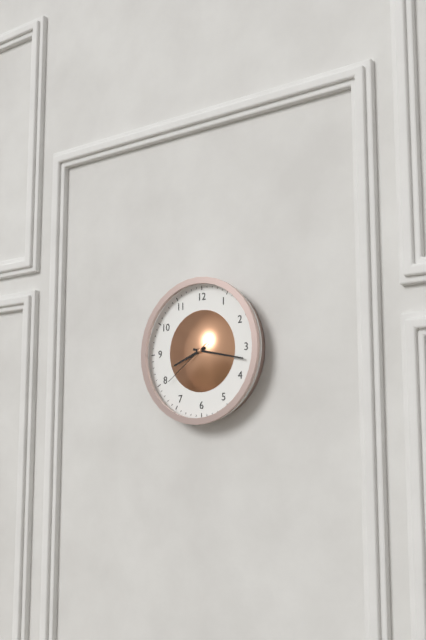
8:17:39
